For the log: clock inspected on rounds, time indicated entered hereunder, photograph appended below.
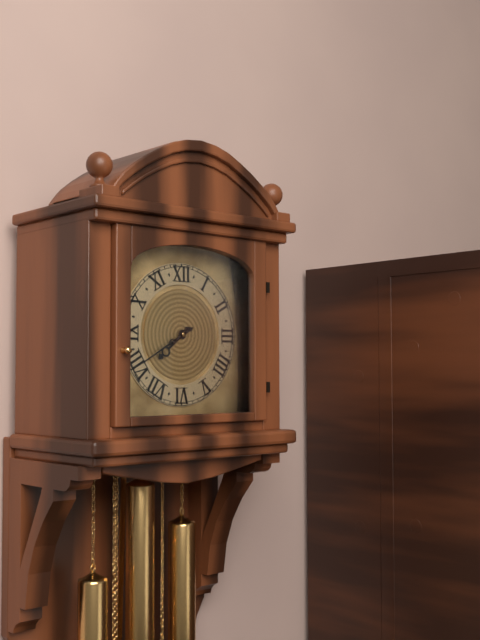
7:40
